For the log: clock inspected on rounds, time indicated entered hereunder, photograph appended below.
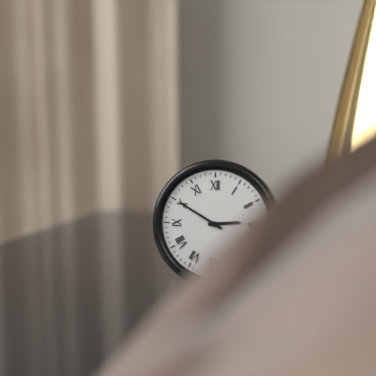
2:50
